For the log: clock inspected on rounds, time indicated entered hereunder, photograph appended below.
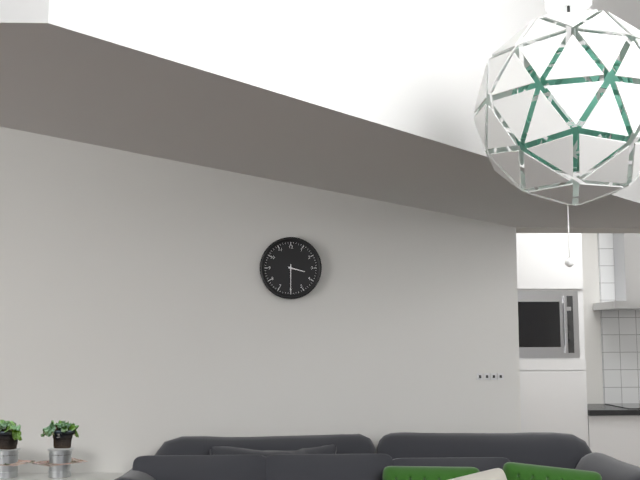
3:30
